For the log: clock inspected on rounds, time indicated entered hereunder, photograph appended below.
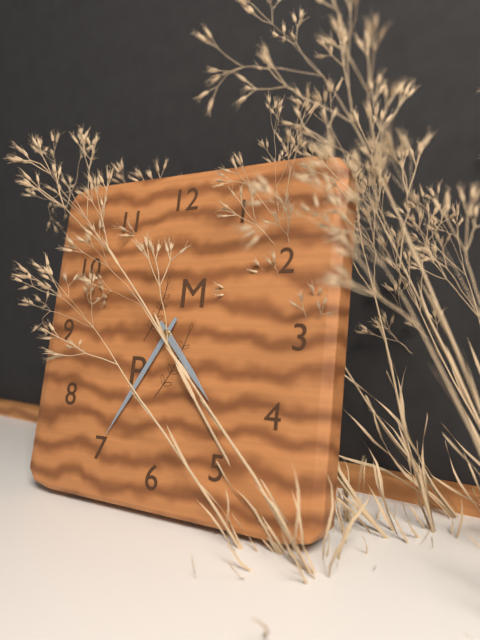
4:35
